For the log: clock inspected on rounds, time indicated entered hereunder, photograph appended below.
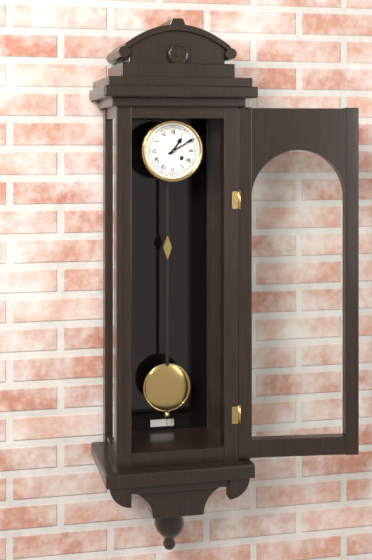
1:10
